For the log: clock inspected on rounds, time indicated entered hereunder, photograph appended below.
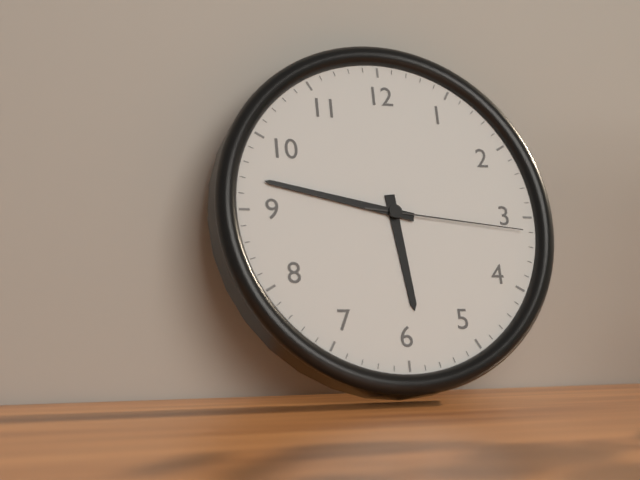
5:47:16
